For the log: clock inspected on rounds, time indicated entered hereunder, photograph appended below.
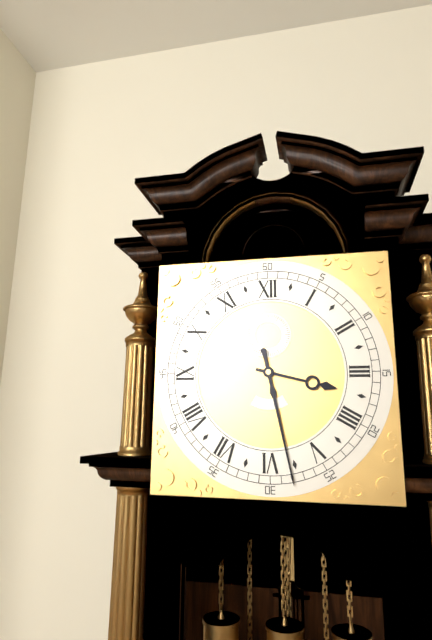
3:28
